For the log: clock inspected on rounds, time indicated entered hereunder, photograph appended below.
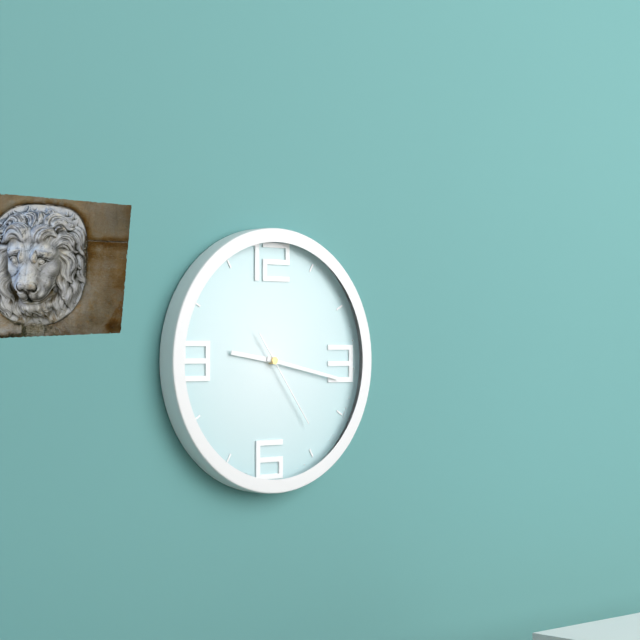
9:17:24
